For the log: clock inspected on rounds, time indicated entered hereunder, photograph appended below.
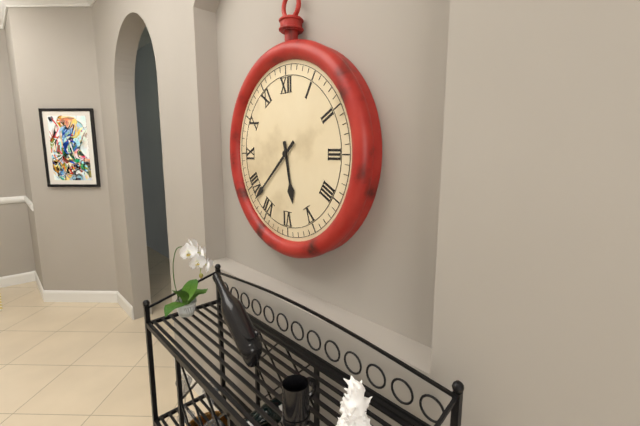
5:38
